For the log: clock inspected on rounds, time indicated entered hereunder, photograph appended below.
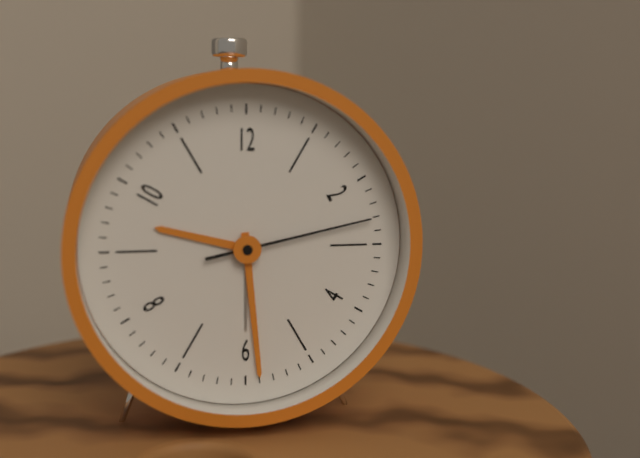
9:29:13
